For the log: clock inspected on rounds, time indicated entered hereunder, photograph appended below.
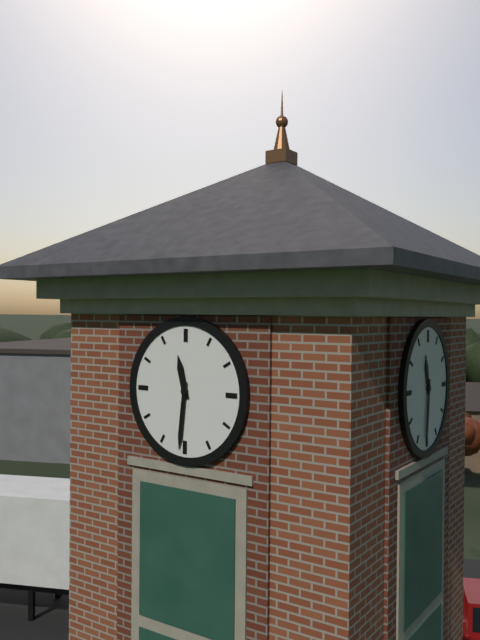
11:31
